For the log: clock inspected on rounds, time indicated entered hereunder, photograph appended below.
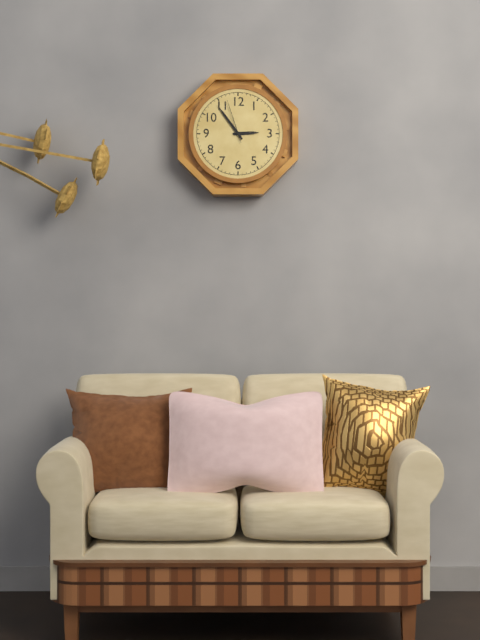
2:54
